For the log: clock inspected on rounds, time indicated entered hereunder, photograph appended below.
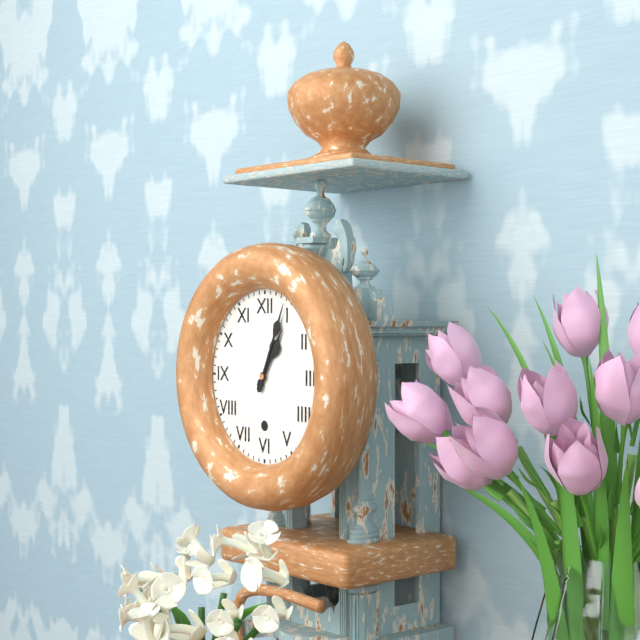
1:04
